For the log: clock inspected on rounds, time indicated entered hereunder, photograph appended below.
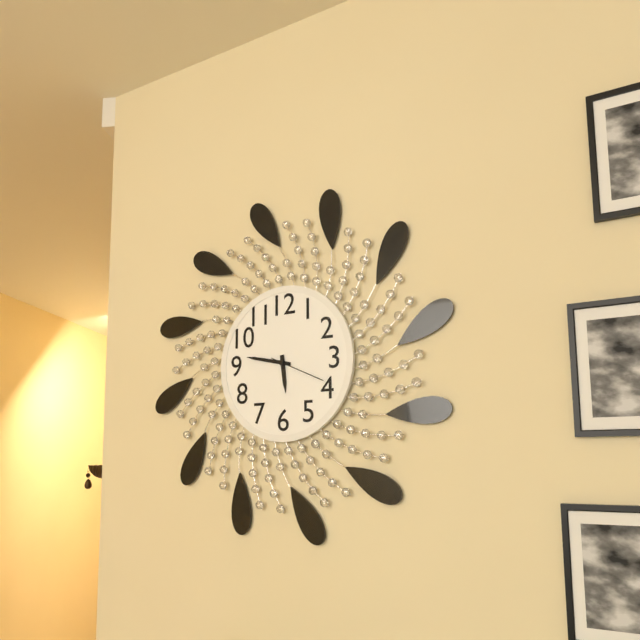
5:47:19
